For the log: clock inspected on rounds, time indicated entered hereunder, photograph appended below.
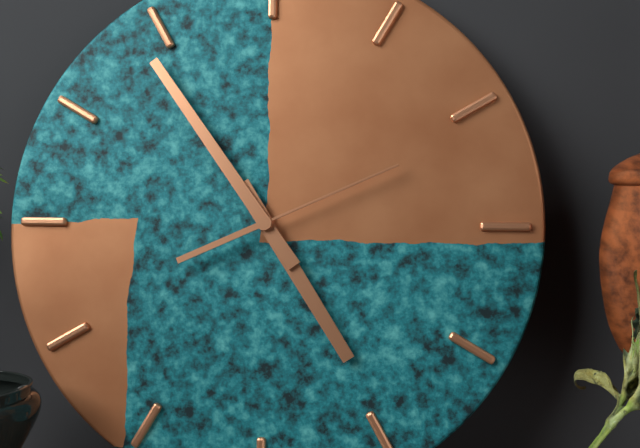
4:54:11
